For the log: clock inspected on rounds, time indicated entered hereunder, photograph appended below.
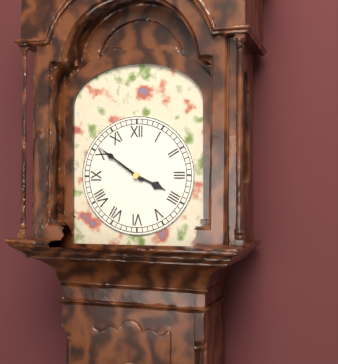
3:51
